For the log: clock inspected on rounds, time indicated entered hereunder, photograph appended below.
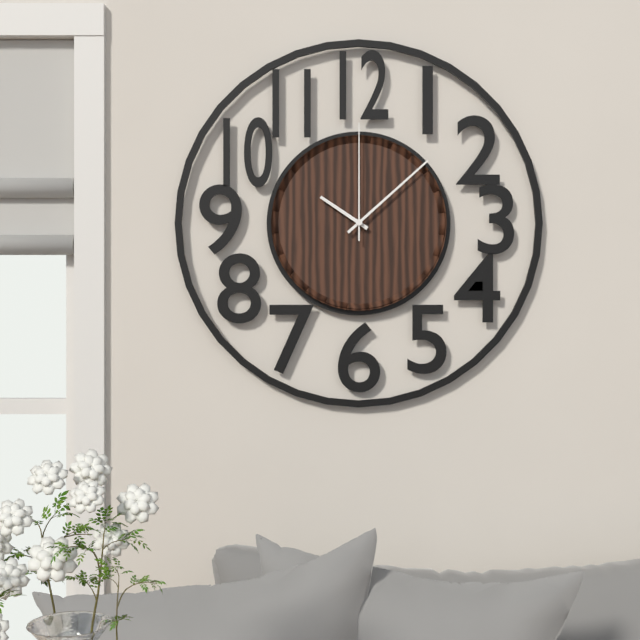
10:08:00
